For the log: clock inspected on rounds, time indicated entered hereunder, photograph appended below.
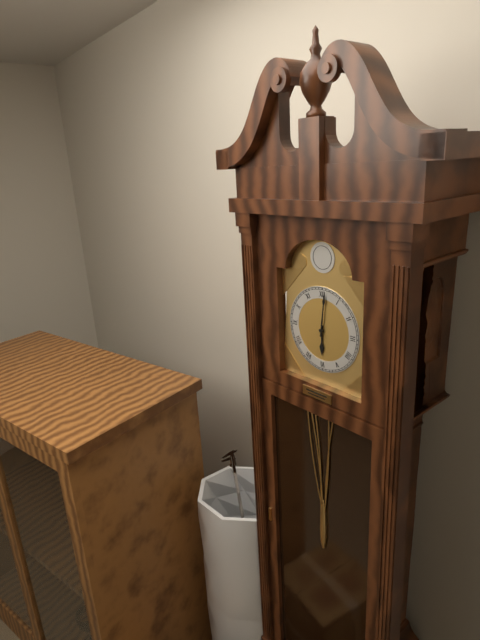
6:01
